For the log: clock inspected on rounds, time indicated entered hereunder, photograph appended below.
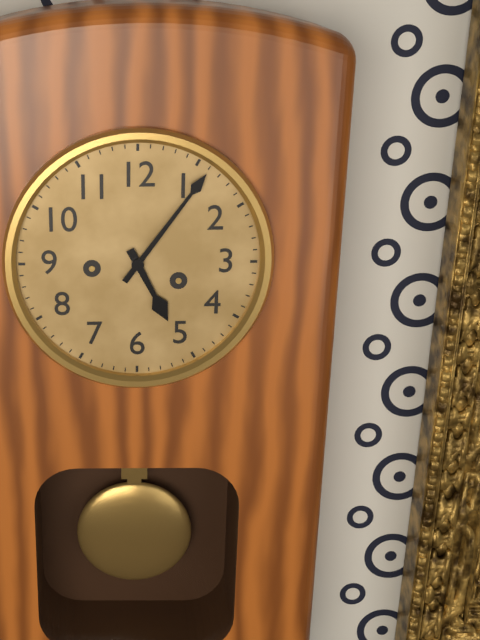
5:06
